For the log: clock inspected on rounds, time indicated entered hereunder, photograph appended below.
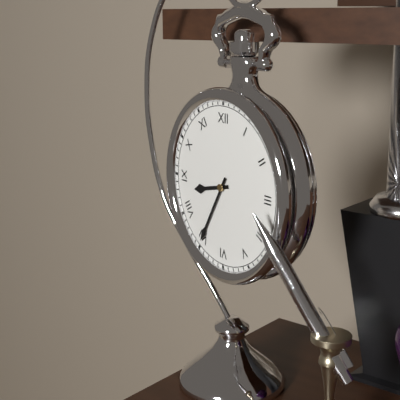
8:35
